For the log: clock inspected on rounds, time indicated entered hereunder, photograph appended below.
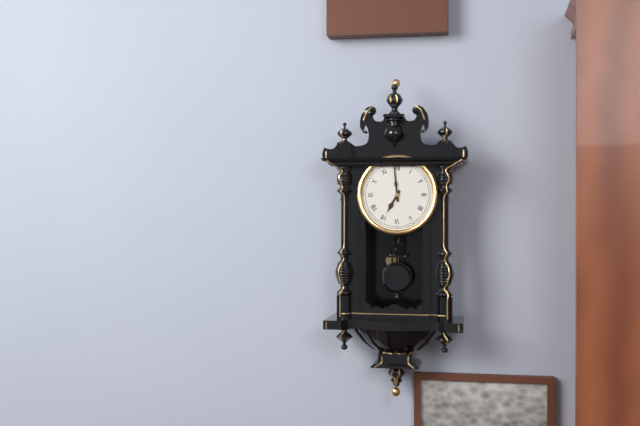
6:59
